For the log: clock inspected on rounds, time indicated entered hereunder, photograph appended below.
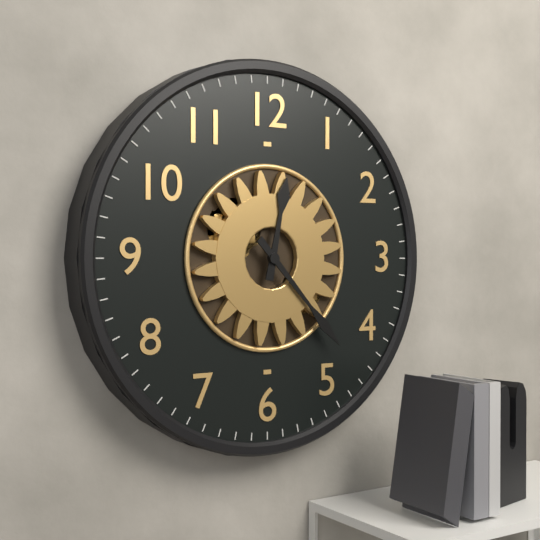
12:23
